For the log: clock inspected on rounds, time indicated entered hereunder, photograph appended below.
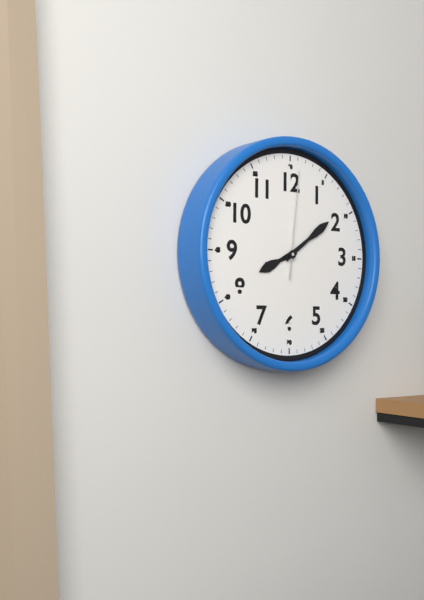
8:09:01
